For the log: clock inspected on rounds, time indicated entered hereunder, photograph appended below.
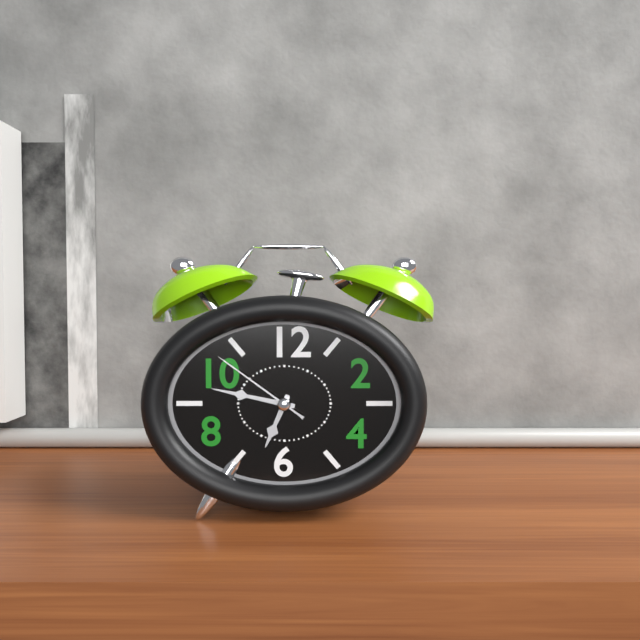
6:47:51
